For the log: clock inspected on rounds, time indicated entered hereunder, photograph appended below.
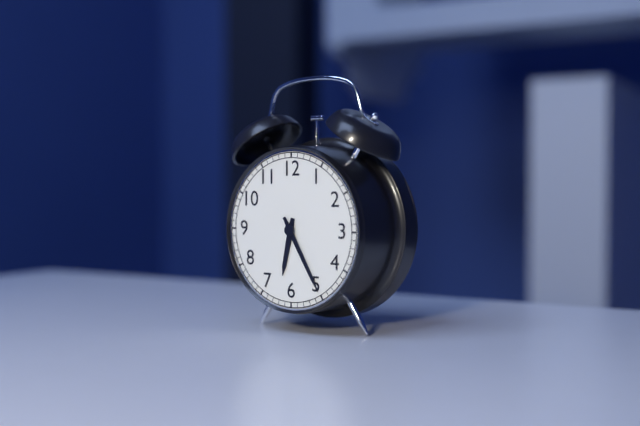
6:25
